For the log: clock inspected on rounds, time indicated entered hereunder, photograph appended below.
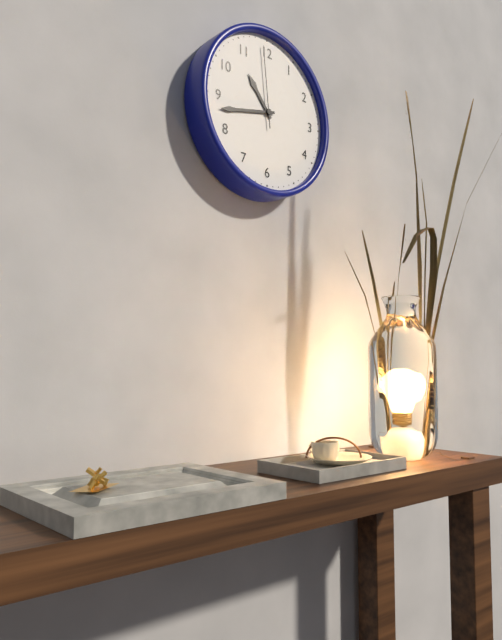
10:43:59
